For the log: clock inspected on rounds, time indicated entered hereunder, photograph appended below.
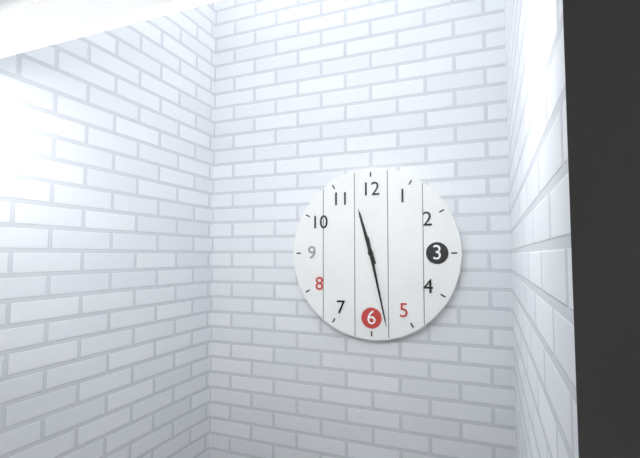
11:28
